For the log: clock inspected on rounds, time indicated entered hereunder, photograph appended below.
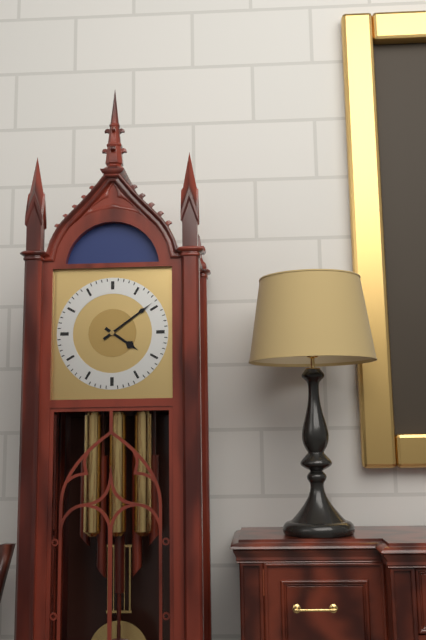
4:09
